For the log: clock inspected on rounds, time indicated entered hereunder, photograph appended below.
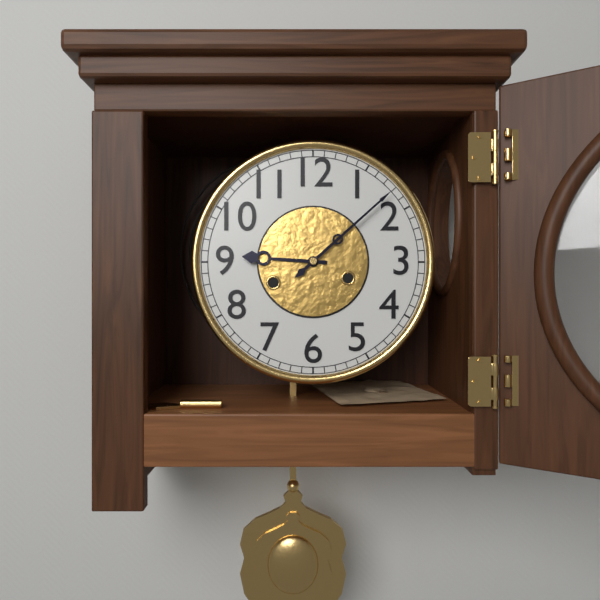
9:08
